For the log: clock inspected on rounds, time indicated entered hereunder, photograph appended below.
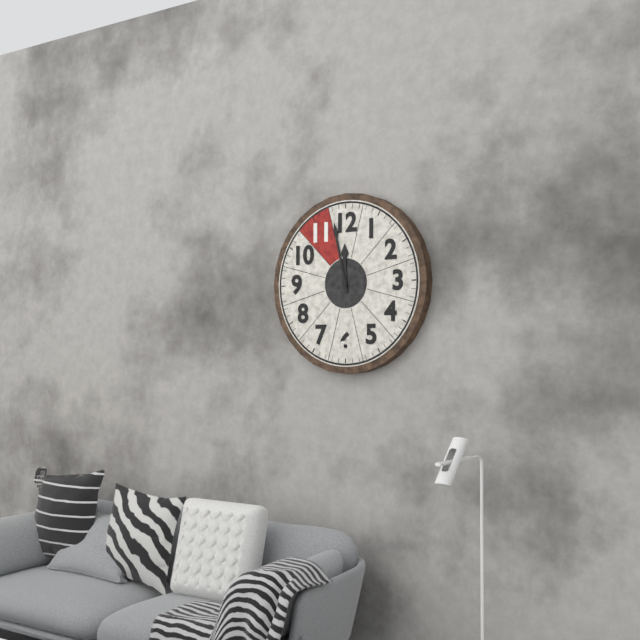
11:58
